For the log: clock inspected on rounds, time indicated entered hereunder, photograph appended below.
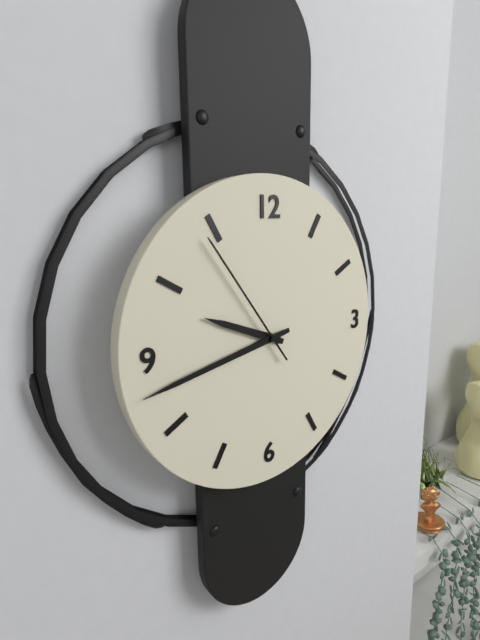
9:43:54
